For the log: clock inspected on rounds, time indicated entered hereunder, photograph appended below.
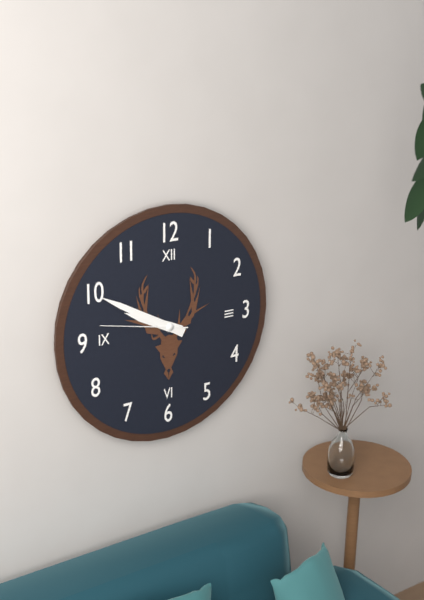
9:50:47
